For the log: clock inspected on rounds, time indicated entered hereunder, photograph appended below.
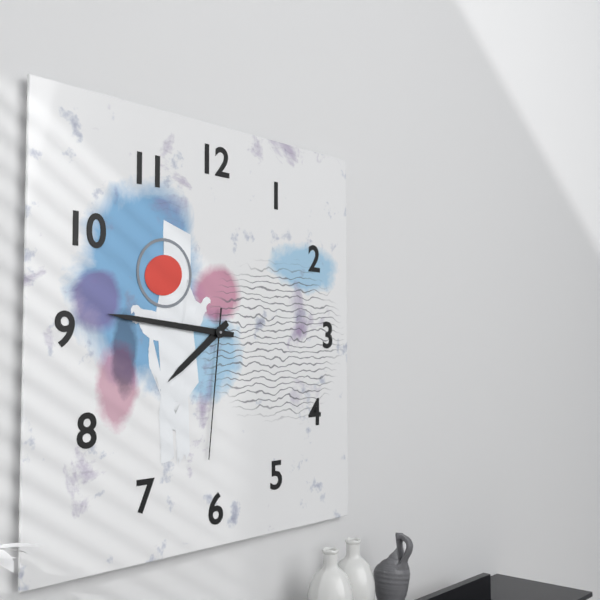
7:46:31
